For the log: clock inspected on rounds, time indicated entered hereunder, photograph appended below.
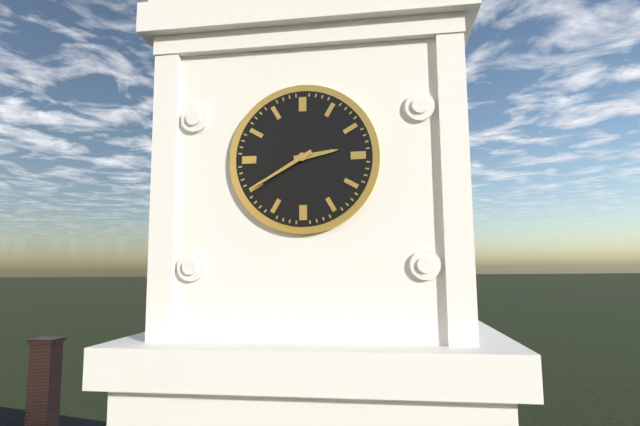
2:40
